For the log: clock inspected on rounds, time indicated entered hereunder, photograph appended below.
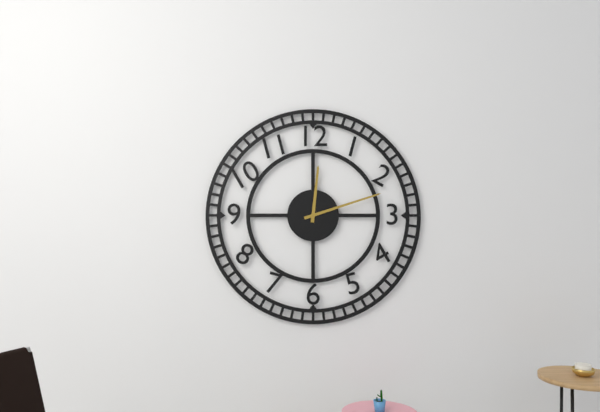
12:12
